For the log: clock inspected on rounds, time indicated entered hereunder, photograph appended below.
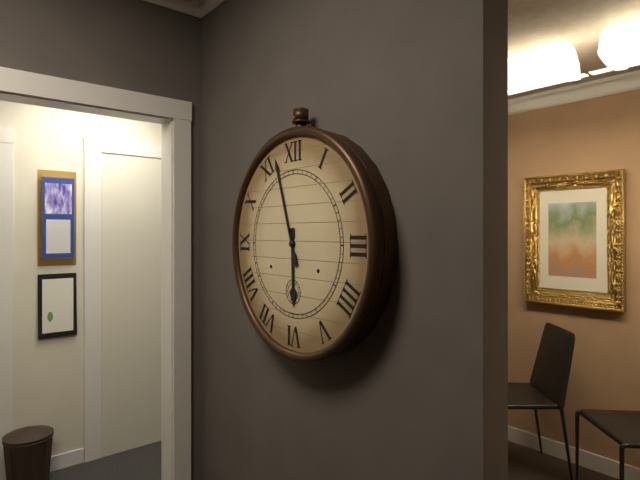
5:57
